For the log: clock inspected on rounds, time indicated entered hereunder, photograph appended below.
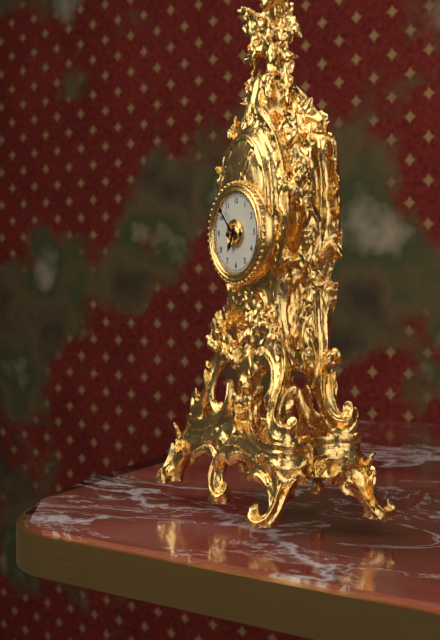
6:53
